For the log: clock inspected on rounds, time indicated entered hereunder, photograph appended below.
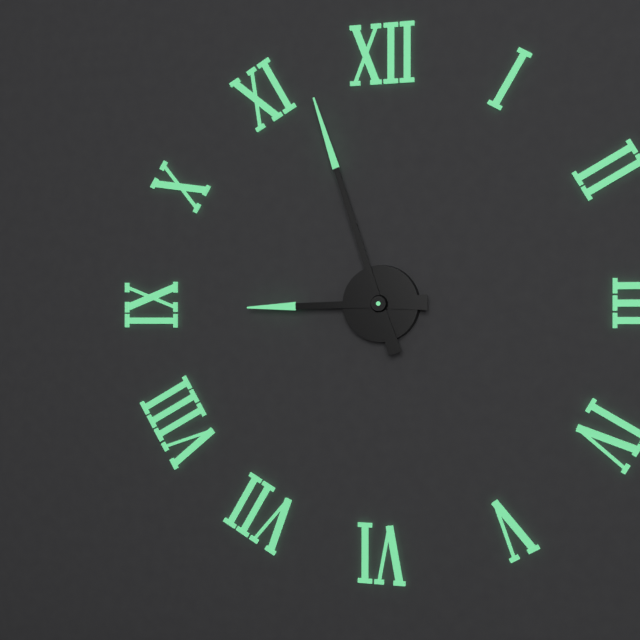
8:57
